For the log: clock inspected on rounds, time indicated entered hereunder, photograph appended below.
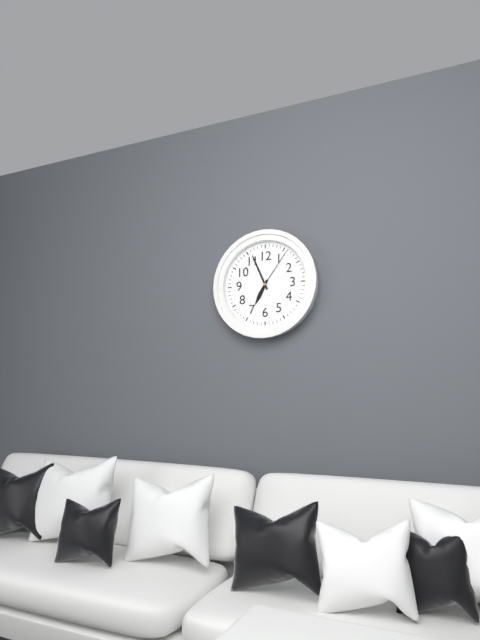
6:56:06
